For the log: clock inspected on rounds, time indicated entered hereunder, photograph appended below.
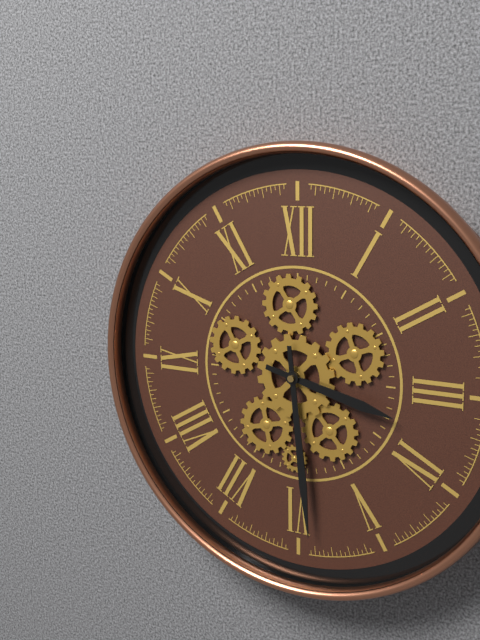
3:29
